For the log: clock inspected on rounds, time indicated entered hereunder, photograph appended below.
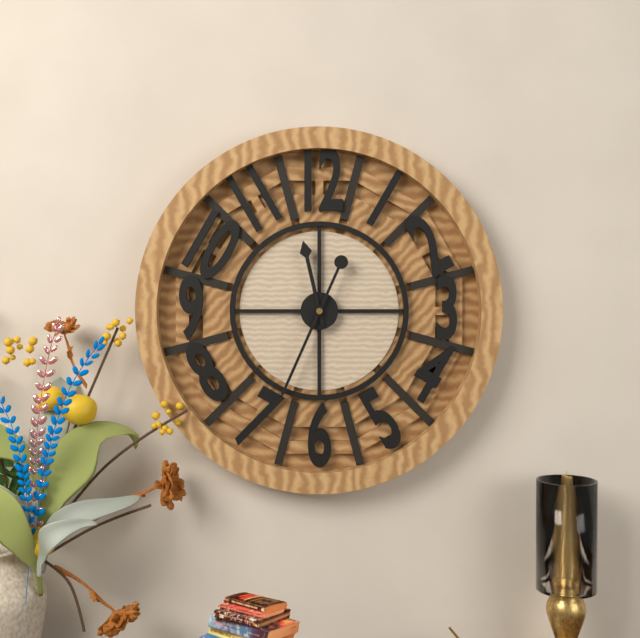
11:34
